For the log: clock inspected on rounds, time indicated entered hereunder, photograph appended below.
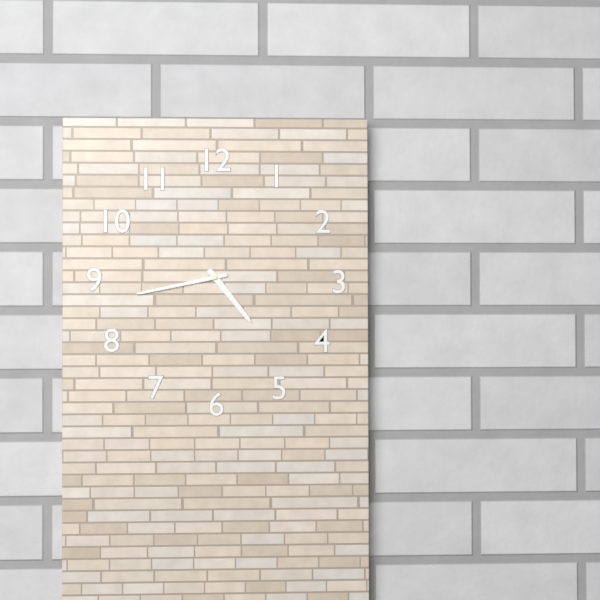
4:43
